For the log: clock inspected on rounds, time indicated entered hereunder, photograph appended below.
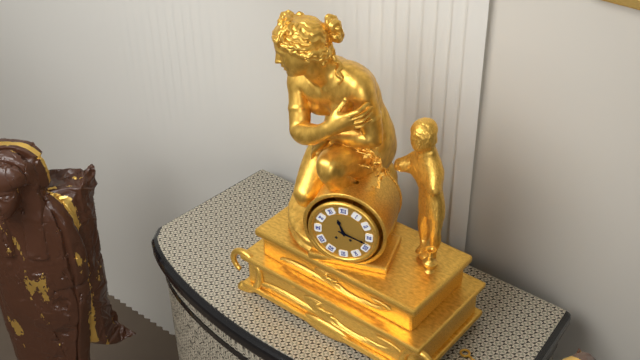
11:18
